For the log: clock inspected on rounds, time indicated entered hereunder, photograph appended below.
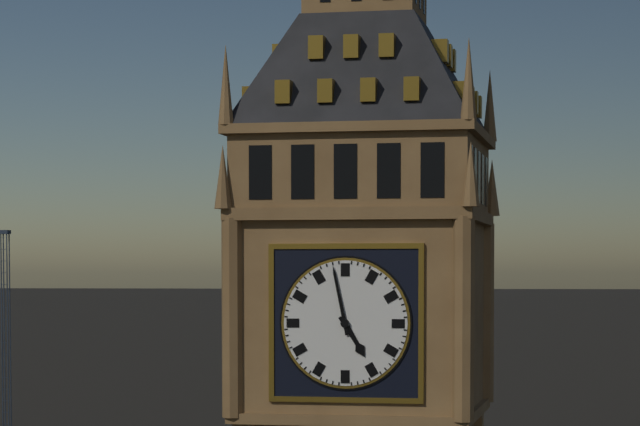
4:58
